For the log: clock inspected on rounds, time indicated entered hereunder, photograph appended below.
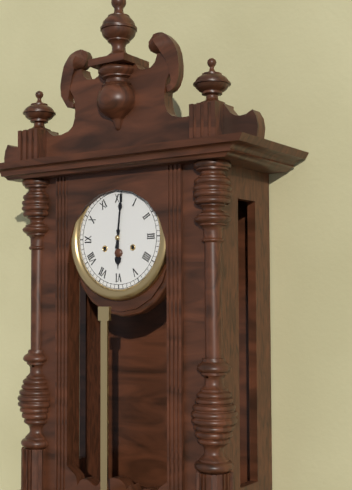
6:01
